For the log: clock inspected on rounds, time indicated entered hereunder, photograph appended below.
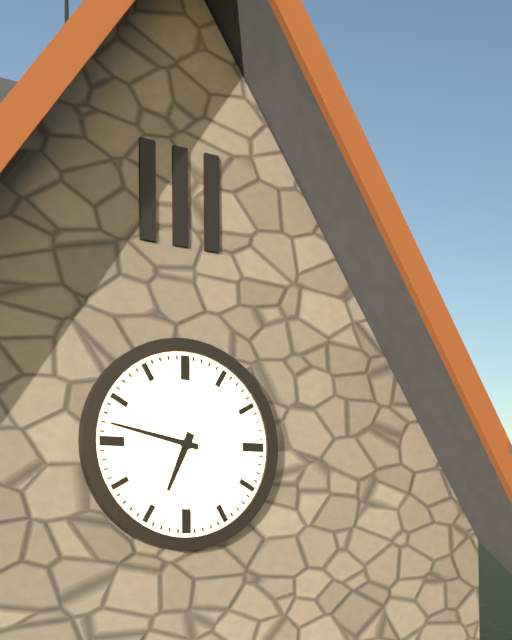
6:47
